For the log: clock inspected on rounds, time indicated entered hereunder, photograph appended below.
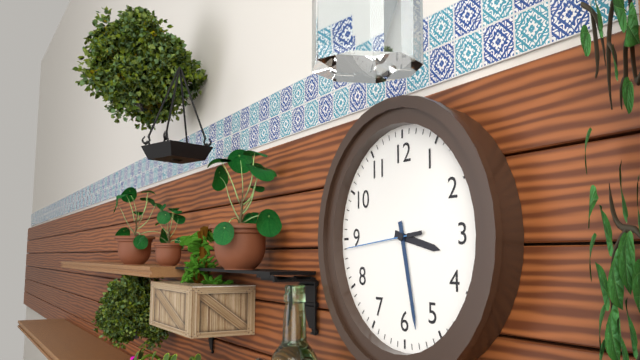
3:28:44
